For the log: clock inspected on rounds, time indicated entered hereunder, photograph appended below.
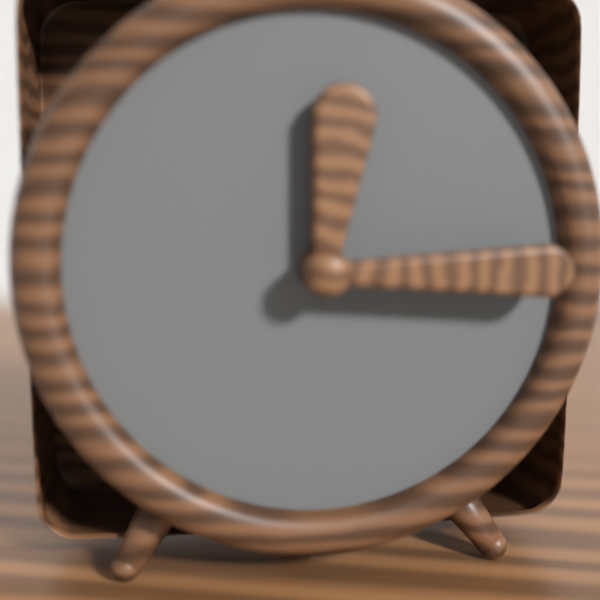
12:15
